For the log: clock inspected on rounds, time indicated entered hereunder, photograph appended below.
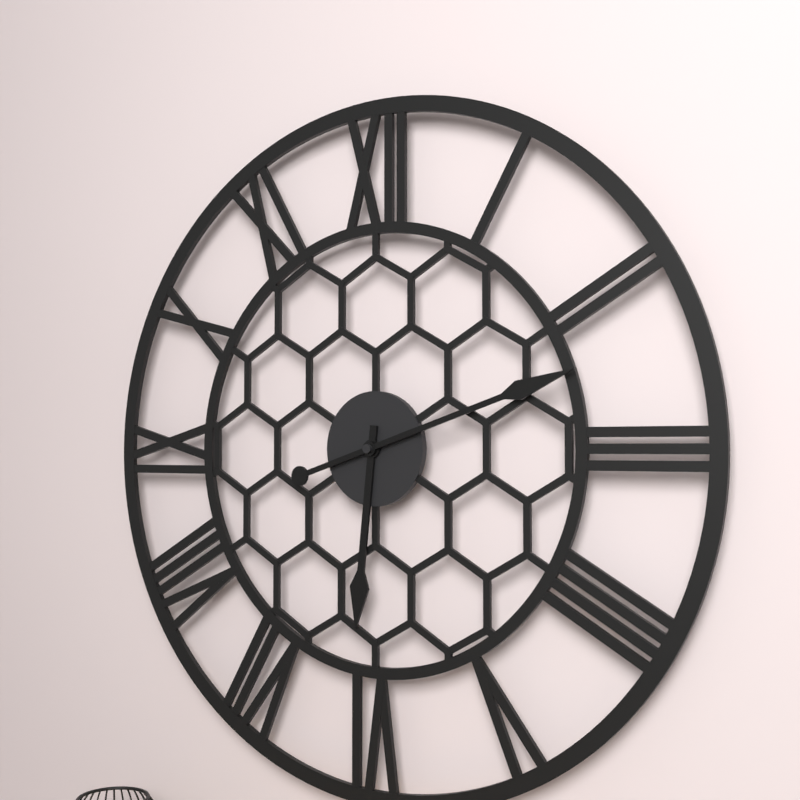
6:12
